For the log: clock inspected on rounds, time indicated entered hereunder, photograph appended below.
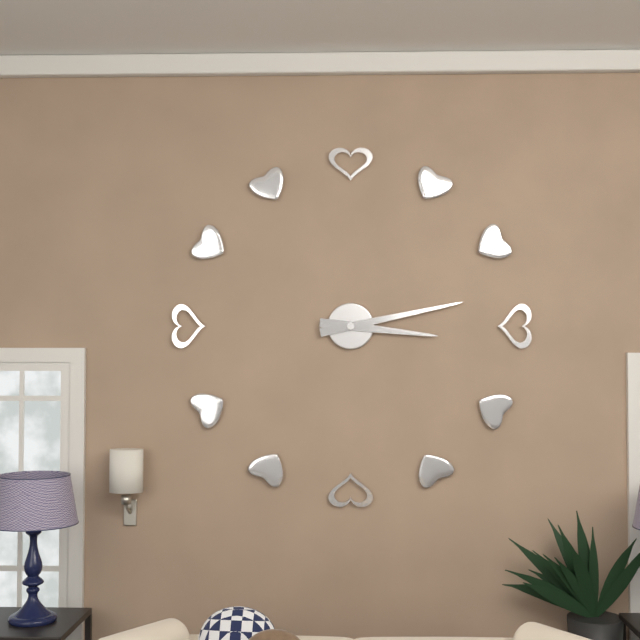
3:13
